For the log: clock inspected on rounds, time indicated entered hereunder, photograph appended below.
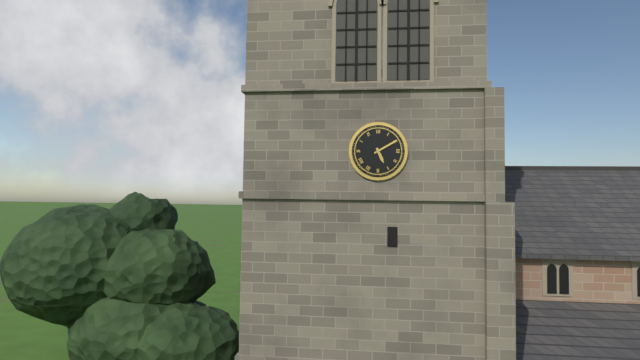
5:10
